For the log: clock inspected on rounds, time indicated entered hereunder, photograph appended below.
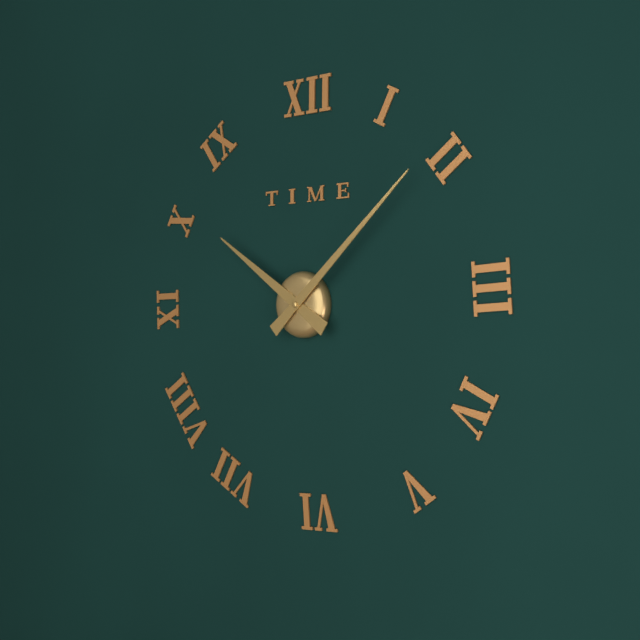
10:08
